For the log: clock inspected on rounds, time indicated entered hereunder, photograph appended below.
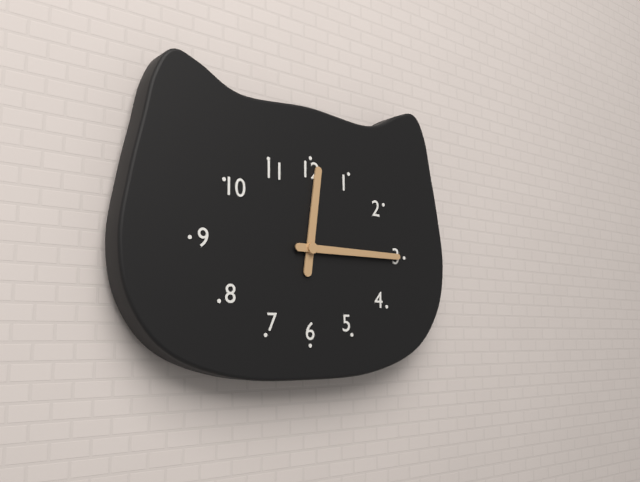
12:15
